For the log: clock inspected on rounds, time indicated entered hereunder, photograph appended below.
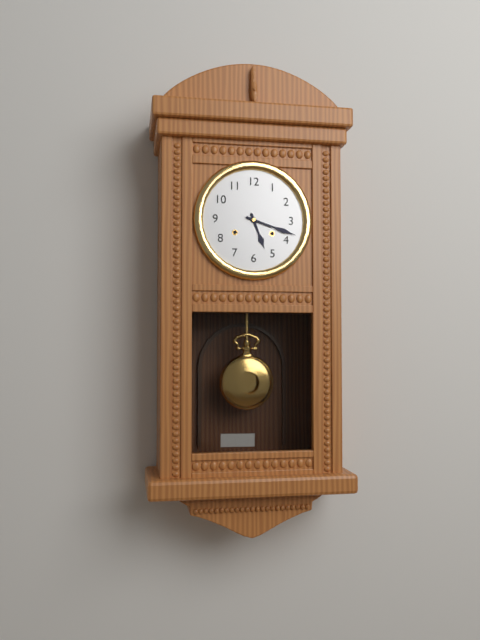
5:18
